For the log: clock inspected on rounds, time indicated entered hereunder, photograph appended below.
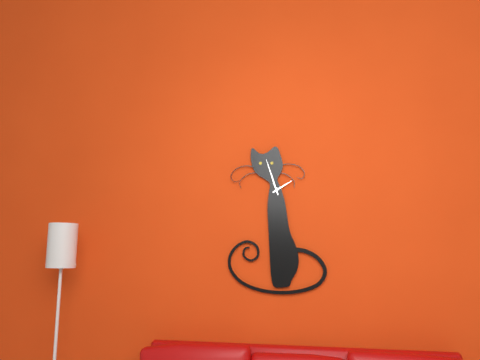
1:57
